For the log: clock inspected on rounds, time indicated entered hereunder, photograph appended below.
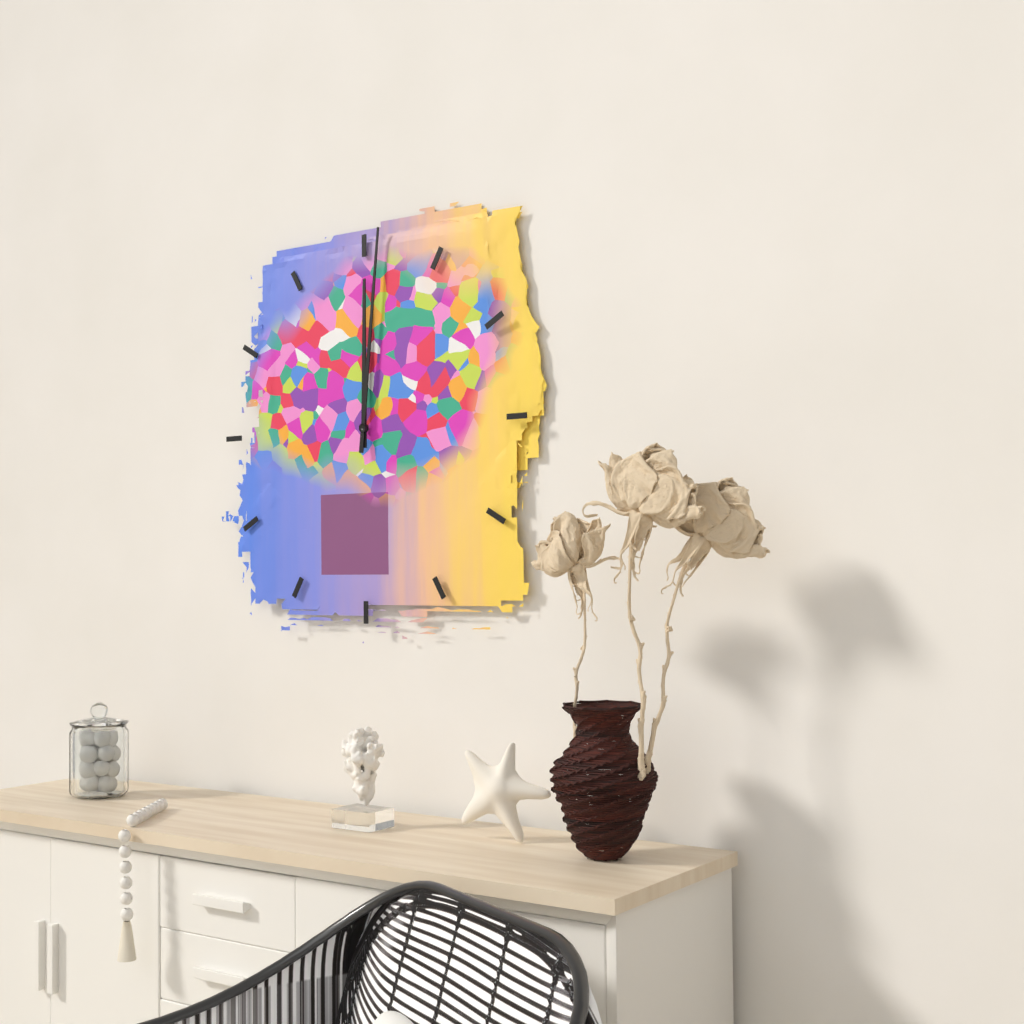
12:01
